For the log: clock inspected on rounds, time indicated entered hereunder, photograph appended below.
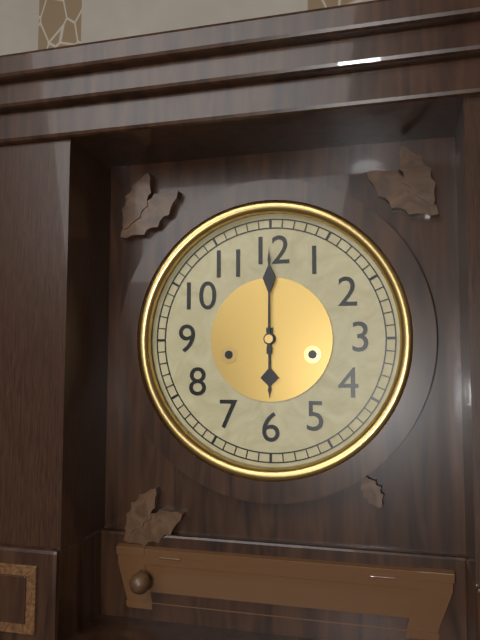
6:00
